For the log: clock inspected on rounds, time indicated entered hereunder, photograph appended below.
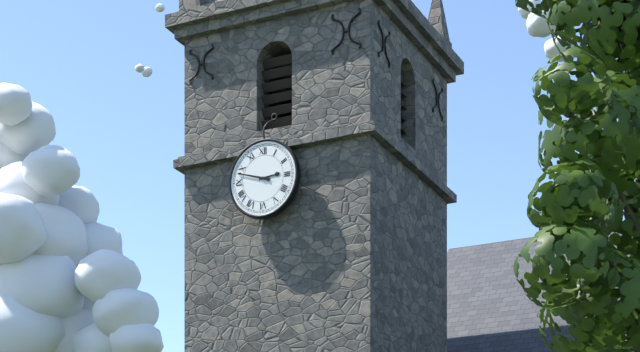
2:48
